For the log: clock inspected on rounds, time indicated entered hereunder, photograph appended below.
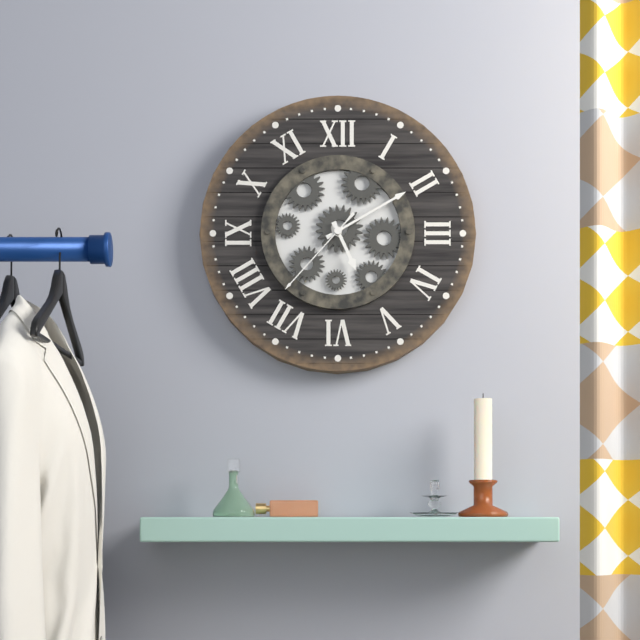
5:10:37
